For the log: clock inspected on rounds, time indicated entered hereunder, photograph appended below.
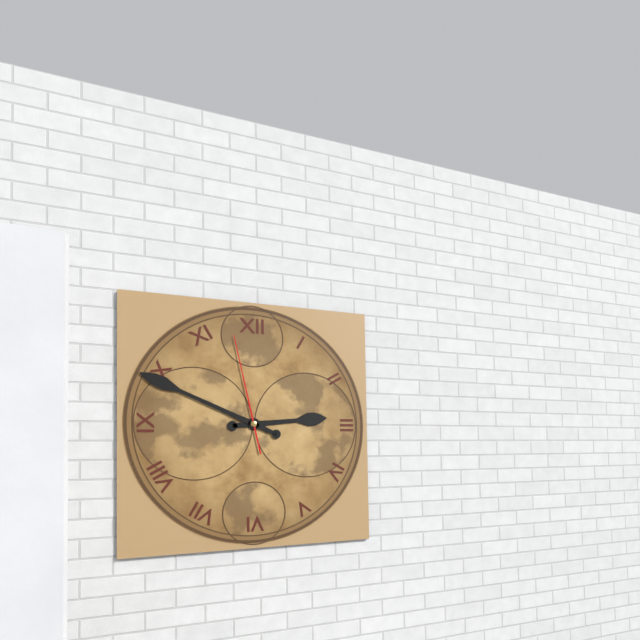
2:49:58
